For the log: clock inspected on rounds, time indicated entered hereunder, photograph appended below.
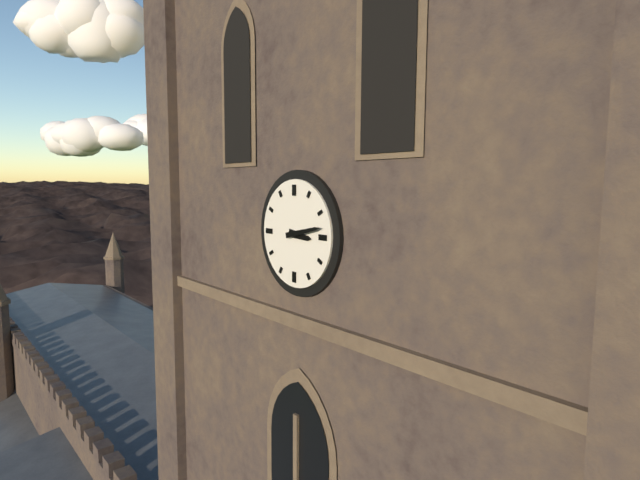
3:13
